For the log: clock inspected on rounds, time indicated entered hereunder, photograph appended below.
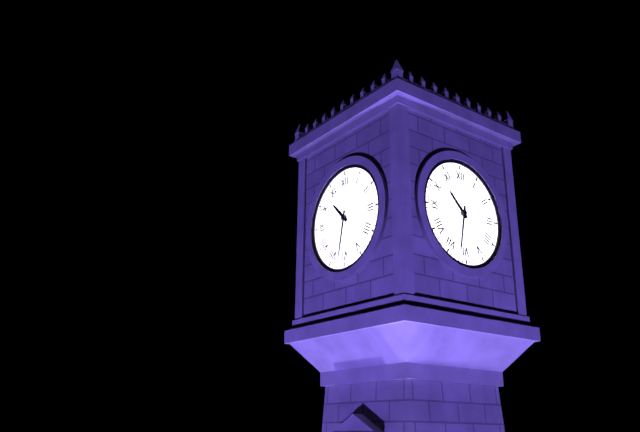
10:32
